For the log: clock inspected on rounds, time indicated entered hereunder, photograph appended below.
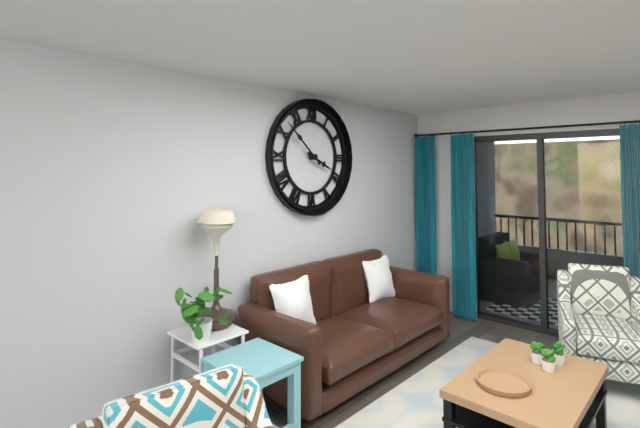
3:52
